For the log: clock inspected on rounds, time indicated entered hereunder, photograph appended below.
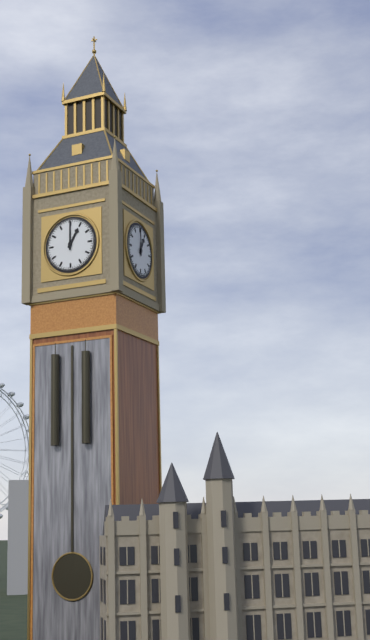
1:00
